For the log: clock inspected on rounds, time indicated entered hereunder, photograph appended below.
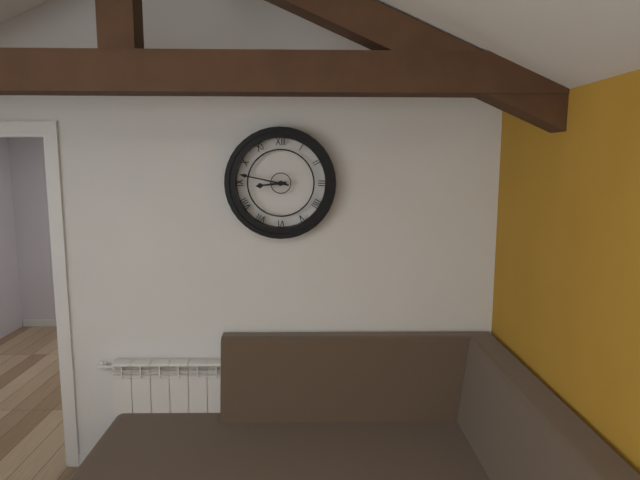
8:47
